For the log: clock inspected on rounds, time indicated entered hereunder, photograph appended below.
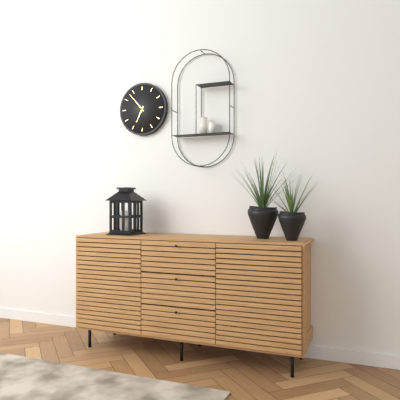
6:53
